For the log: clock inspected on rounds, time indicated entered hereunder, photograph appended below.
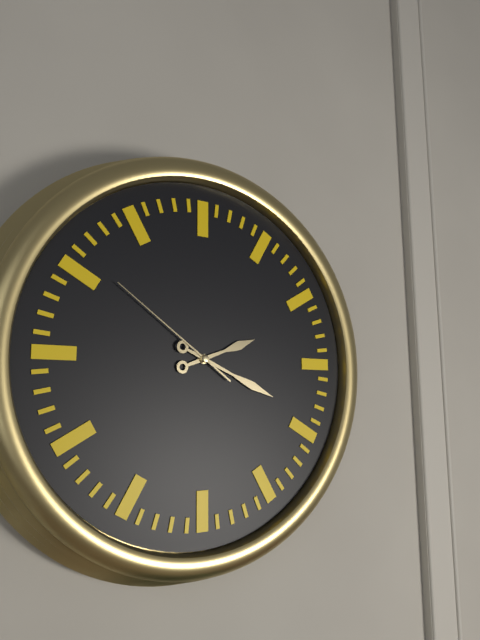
2:19:51
